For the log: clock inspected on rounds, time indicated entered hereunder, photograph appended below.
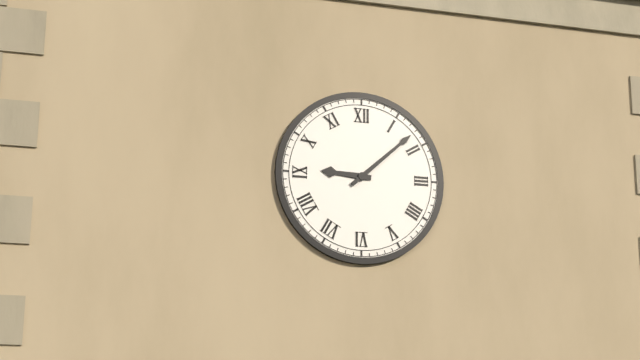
9:08
